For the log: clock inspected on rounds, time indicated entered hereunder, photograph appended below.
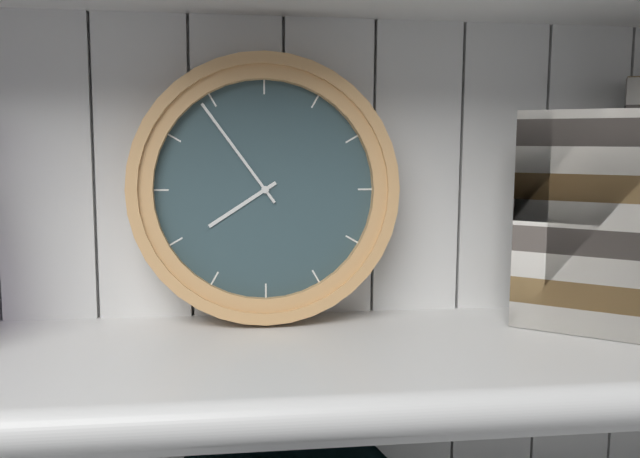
7:54
